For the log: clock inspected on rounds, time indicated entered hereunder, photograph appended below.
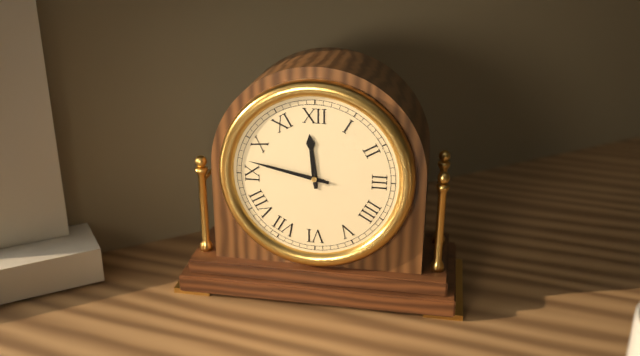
11:47
